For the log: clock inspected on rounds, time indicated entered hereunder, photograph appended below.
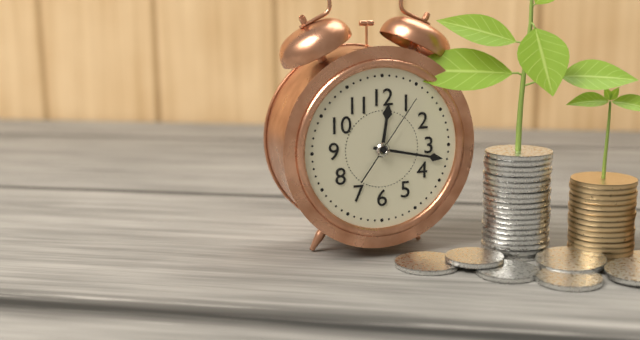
12:17:06
